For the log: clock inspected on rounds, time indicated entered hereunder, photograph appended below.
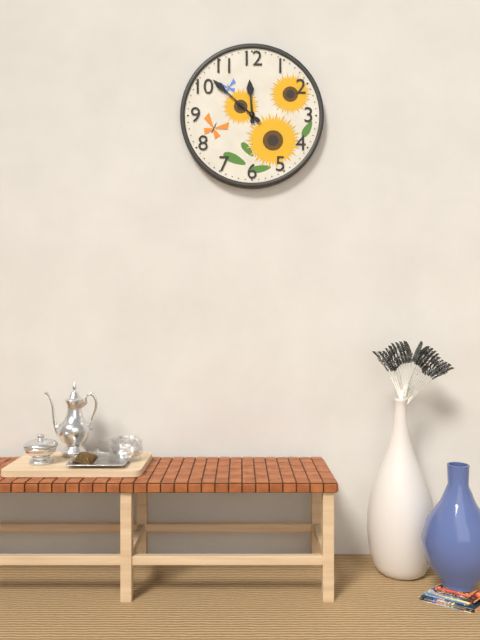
11:52
